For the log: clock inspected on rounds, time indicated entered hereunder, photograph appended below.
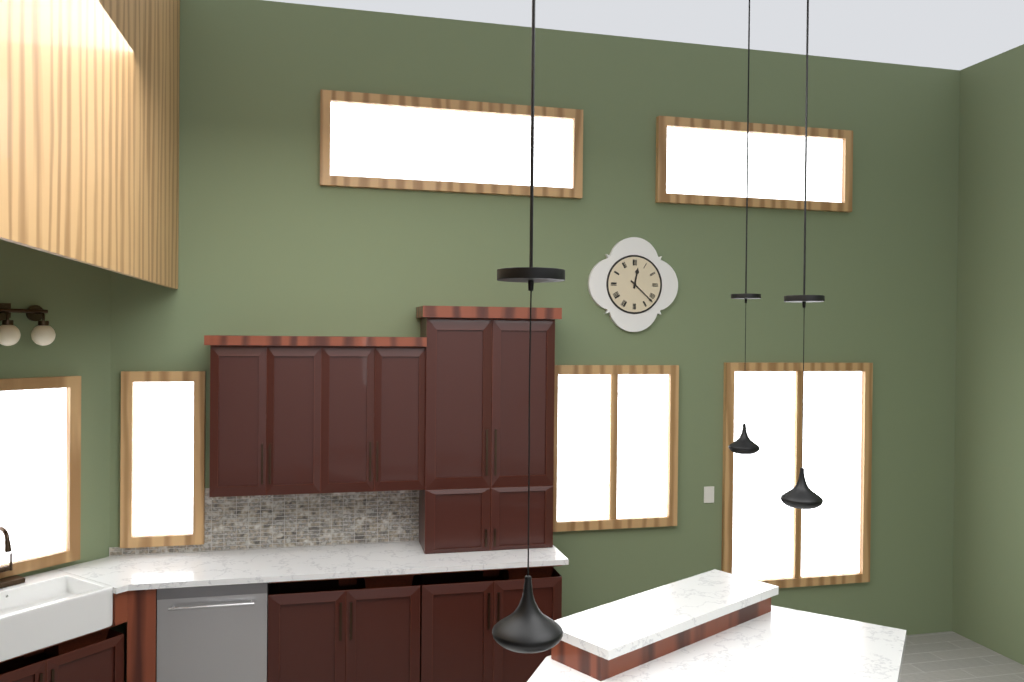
12:22
